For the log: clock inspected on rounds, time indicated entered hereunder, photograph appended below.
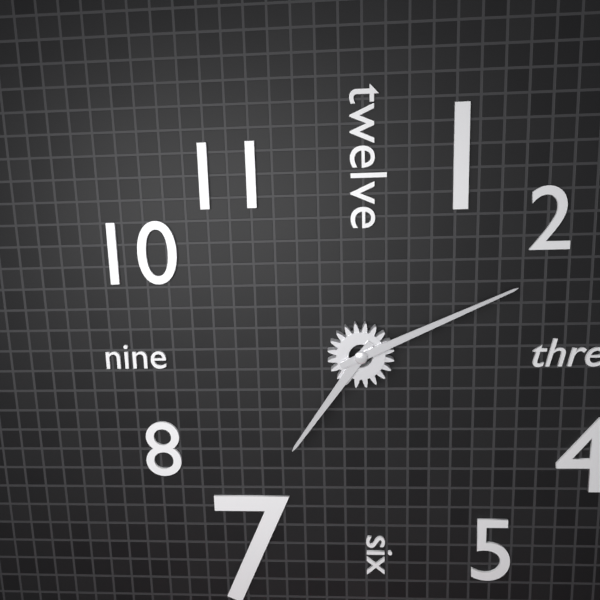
7:11
